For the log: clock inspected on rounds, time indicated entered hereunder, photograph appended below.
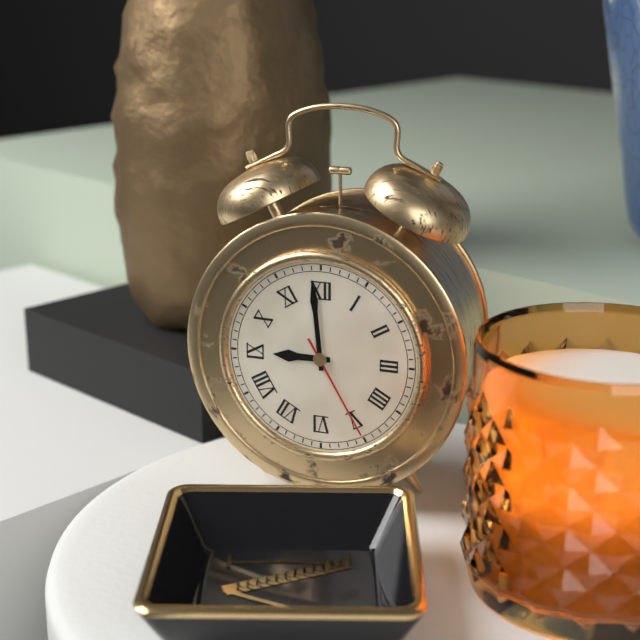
8:59:25
